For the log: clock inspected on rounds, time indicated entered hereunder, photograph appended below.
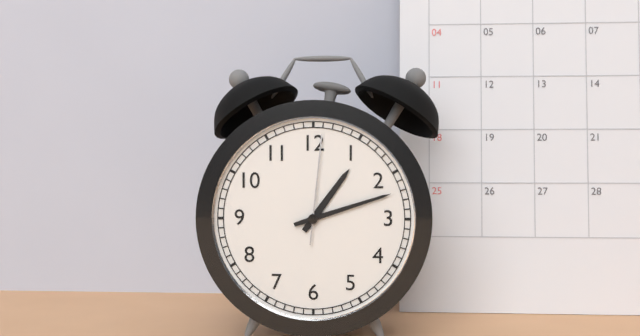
1:12:01
